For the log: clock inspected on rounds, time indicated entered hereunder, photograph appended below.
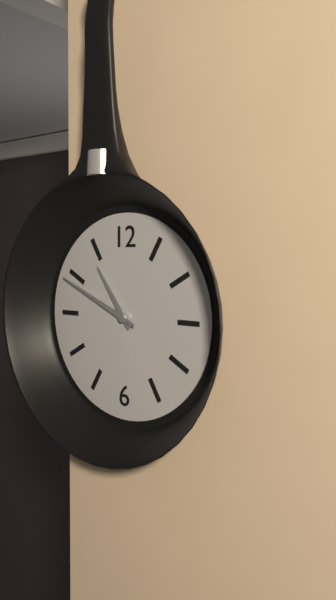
10:49
